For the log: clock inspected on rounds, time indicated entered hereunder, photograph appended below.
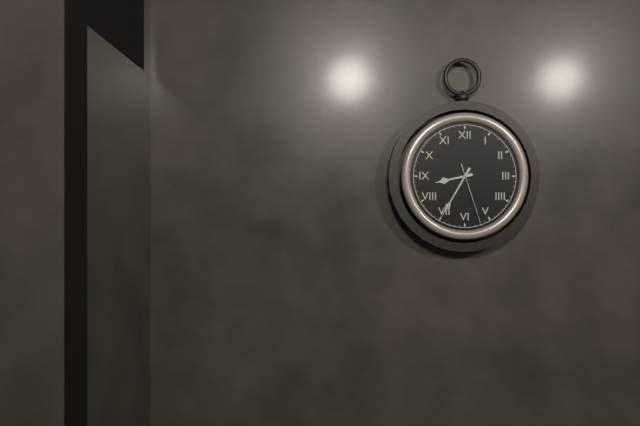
8:35:27
